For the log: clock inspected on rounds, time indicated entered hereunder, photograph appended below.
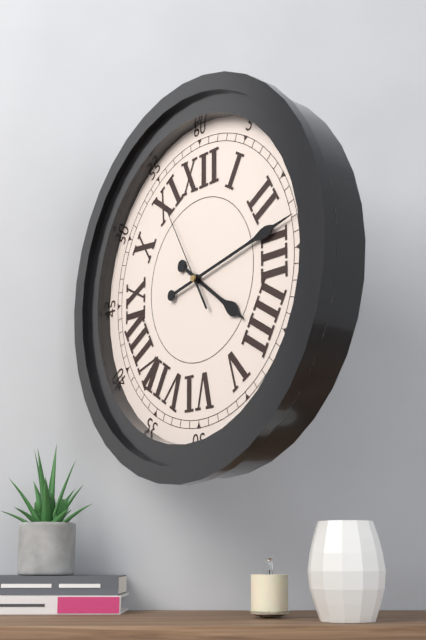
4:13:55
